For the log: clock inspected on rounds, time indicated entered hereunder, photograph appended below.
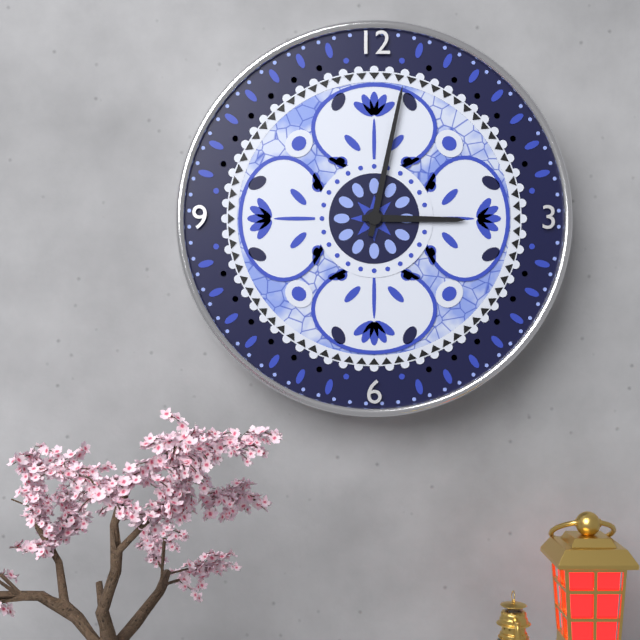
3:02
